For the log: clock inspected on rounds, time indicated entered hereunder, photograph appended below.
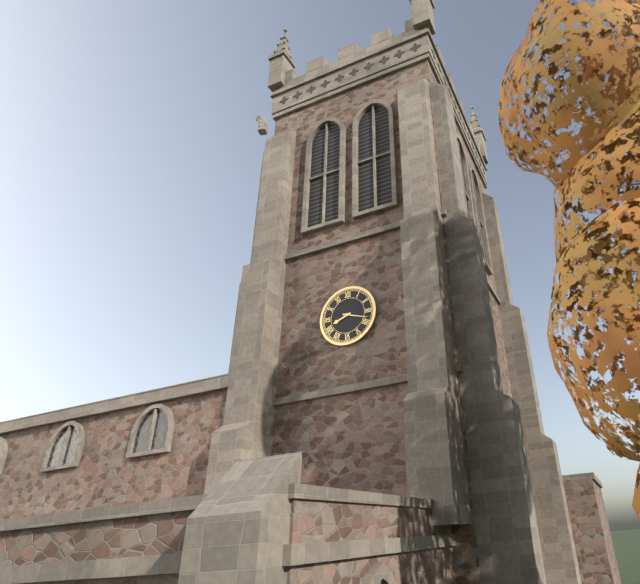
8:18
